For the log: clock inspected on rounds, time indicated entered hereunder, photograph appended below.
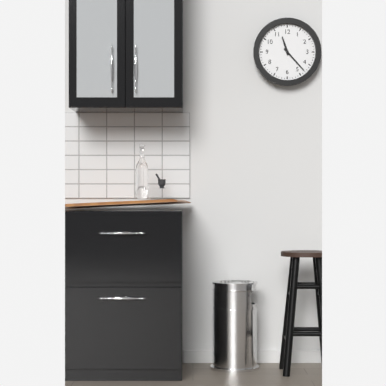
11:23
